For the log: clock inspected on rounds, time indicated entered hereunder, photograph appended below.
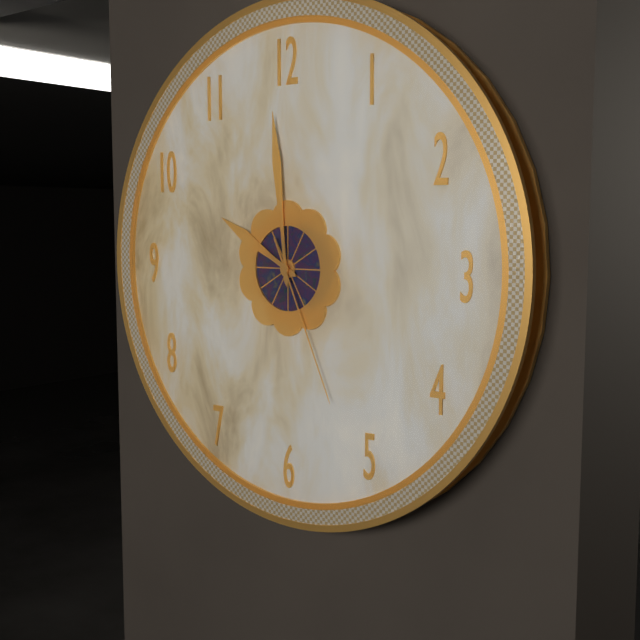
9:59:26
